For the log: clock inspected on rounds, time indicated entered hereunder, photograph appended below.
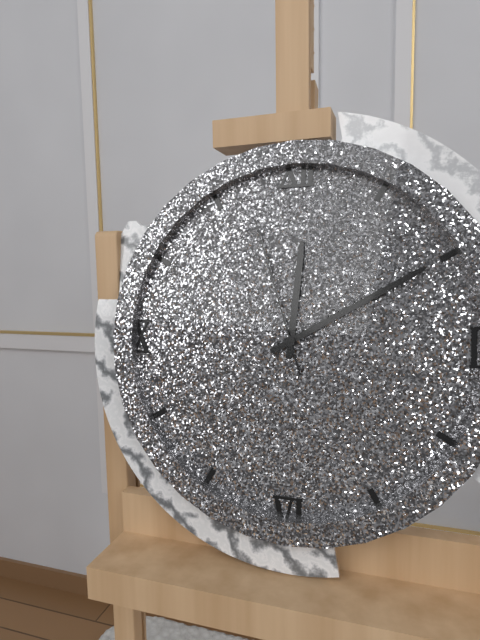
12:10:57
